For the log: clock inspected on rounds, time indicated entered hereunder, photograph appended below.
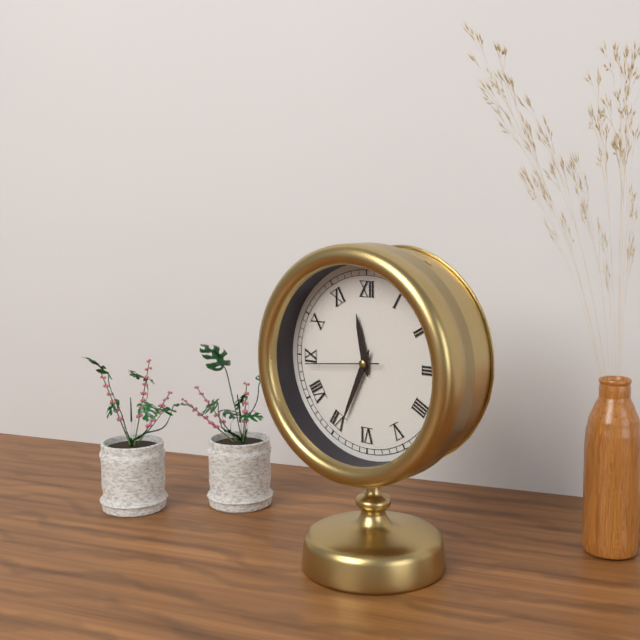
11:34:44
